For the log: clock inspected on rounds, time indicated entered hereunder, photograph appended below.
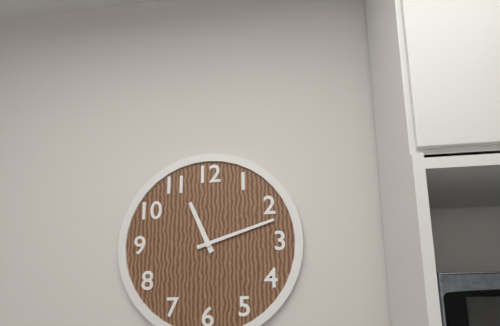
11:12
